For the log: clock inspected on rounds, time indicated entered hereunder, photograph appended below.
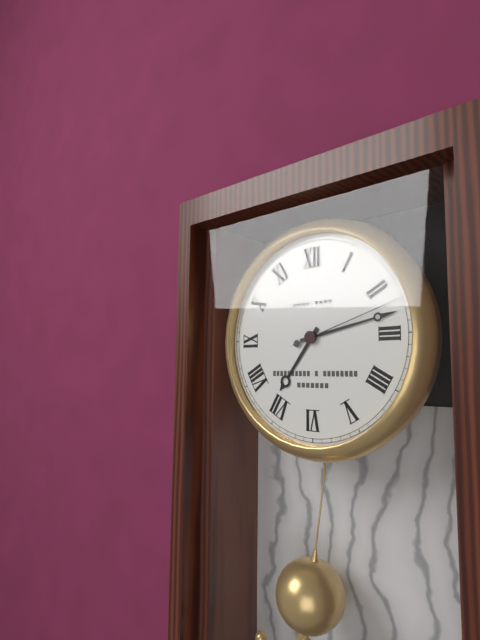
7:13:12
